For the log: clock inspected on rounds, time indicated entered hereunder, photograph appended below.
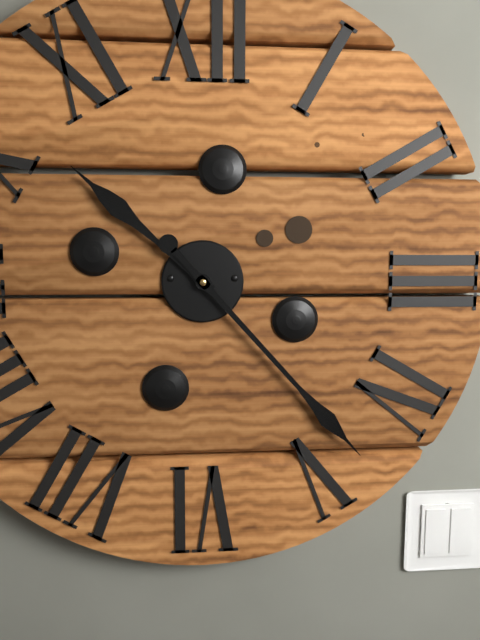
10:23
